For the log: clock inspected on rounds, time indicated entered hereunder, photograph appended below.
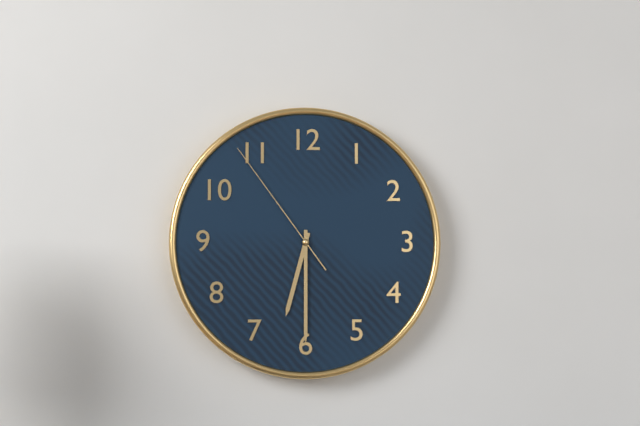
6:30:54
